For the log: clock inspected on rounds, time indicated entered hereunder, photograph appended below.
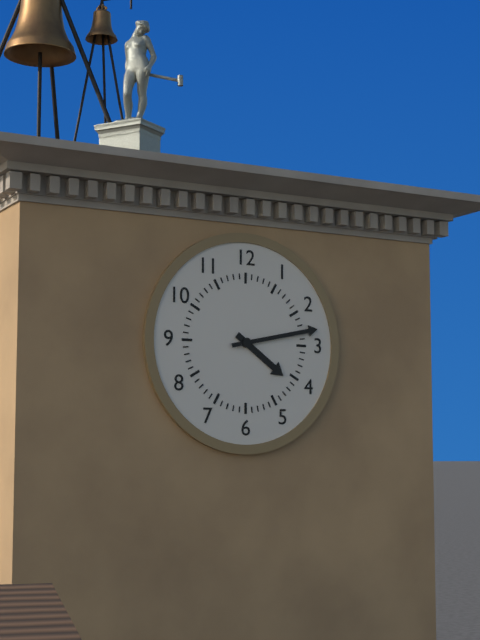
4:13
